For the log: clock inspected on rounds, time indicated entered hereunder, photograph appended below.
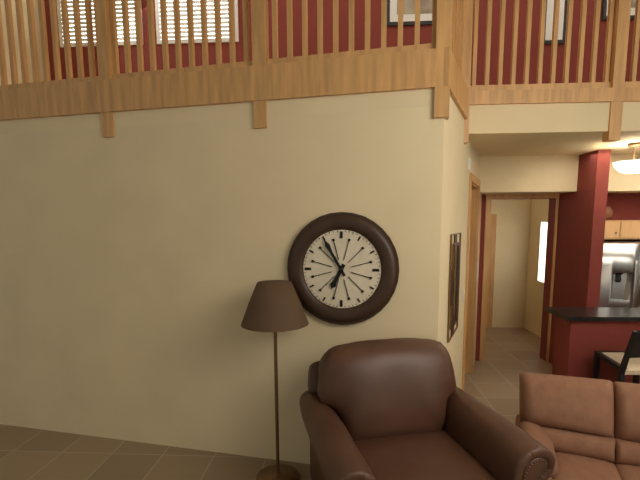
6:55
